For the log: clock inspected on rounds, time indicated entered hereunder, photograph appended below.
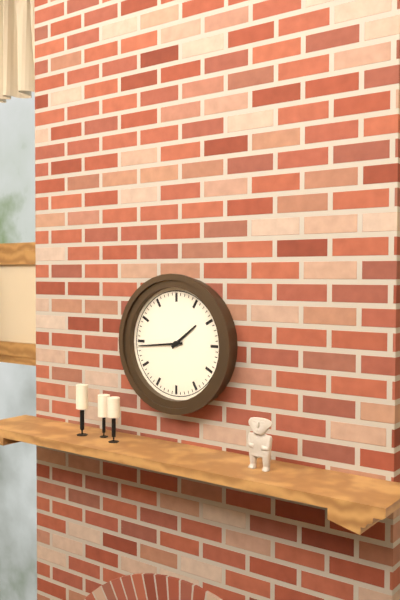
1:44
